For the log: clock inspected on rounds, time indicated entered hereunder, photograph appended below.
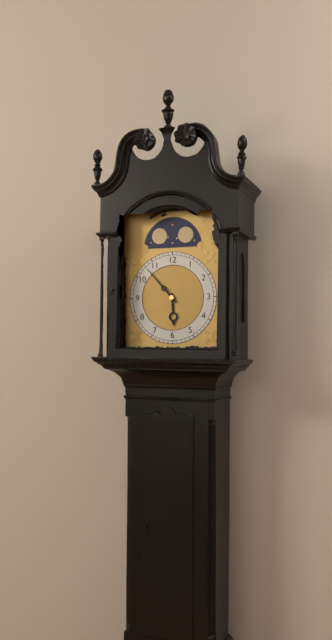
5:53
